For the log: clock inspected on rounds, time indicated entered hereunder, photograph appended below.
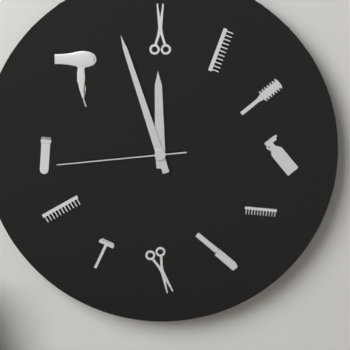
11:57:44
